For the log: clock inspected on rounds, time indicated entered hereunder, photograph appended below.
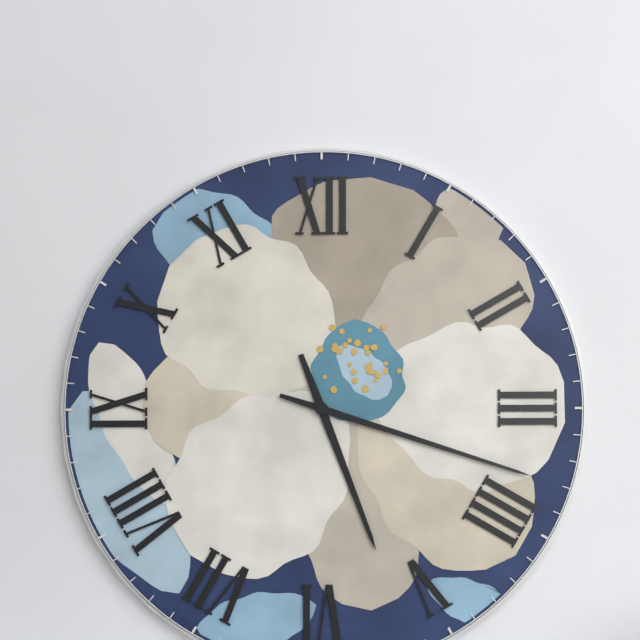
5:18
